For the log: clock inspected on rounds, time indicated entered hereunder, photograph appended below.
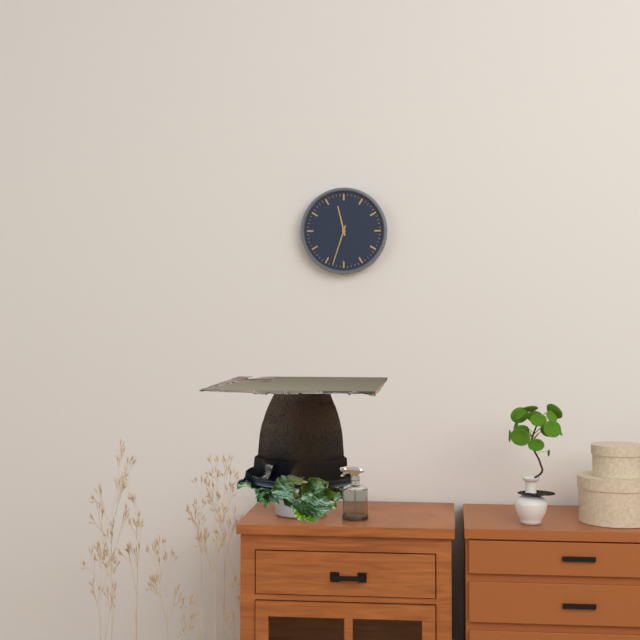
11:33
